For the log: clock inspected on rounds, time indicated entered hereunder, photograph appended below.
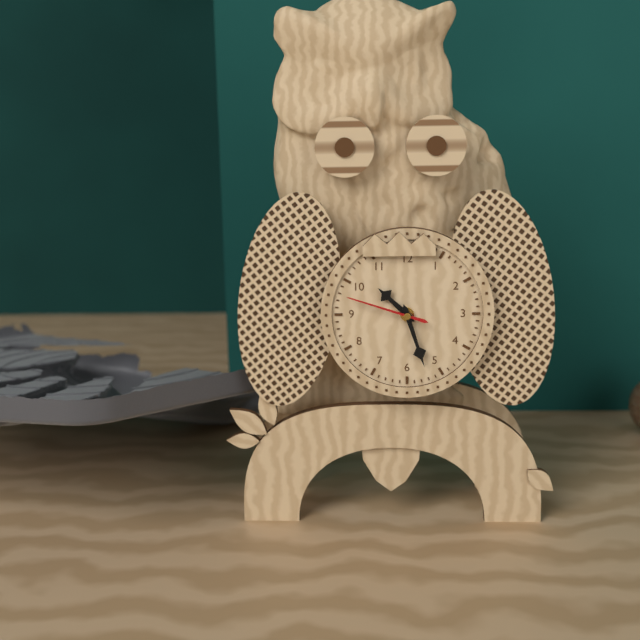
10:27:48
